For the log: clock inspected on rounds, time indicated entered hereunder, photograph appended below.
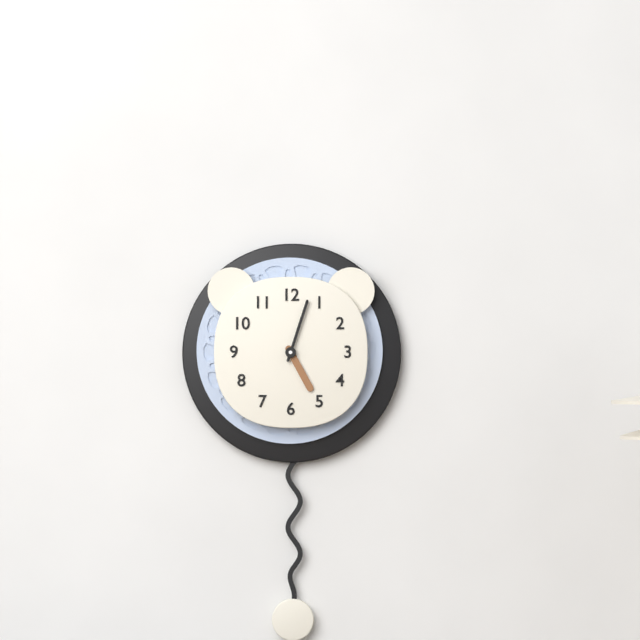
5:03
